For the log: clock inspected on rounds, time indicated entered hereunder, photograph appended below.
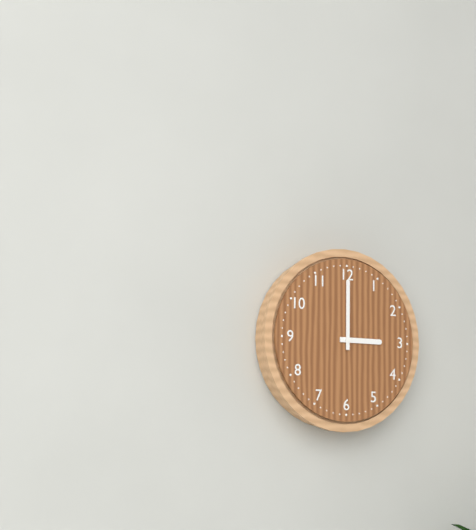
3:00
